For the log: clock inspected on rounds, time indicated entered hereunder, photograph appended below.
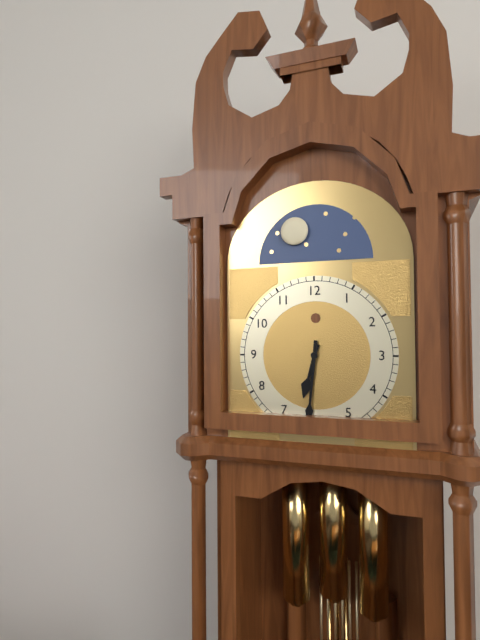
6:31
